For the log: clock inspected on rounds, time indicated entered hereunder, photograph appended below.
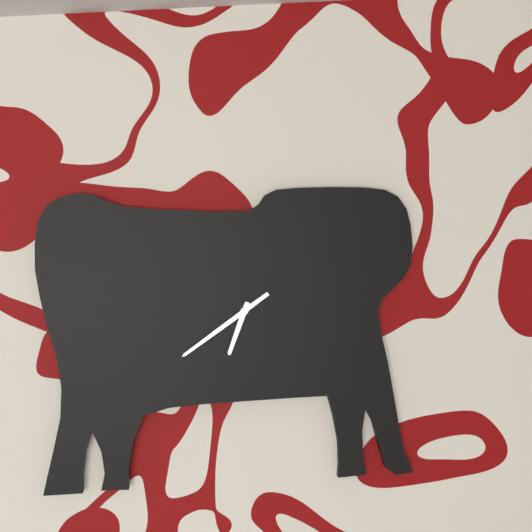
6:39
